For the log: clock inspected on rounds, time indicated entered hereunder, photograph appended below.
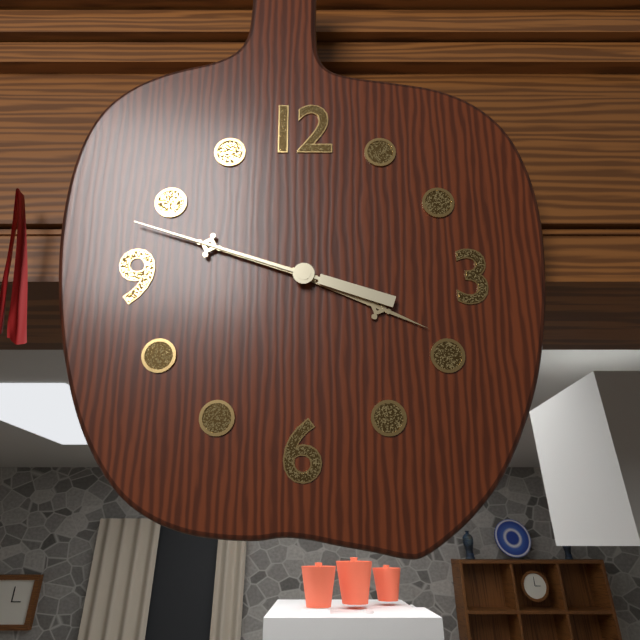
3:48:48
